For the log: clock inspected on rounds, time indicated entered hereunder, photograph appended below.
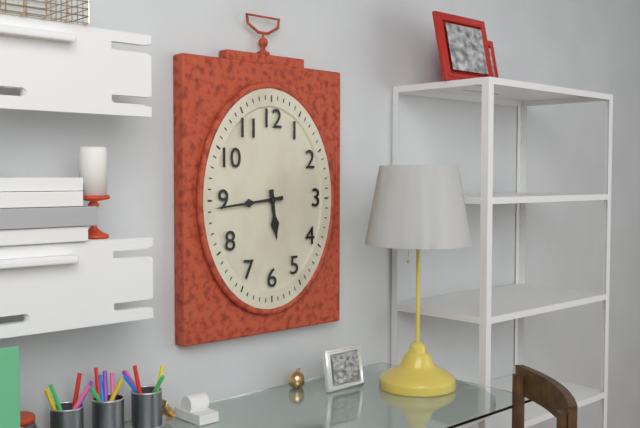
5:44
